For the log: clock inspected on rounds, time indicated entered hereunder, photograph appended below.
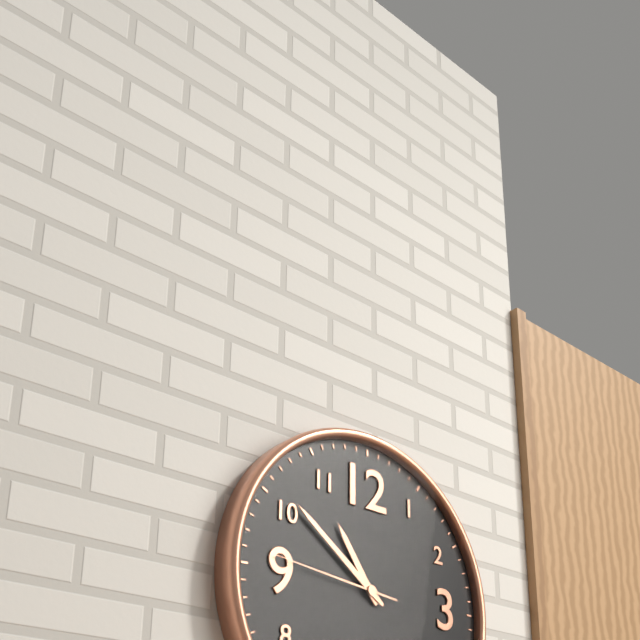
10:51:46
